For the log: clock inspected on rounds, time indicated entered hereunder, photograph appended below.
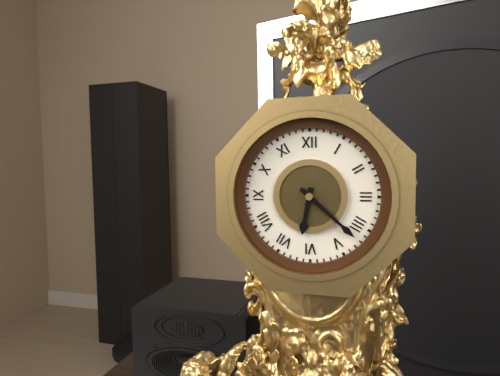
6:22
